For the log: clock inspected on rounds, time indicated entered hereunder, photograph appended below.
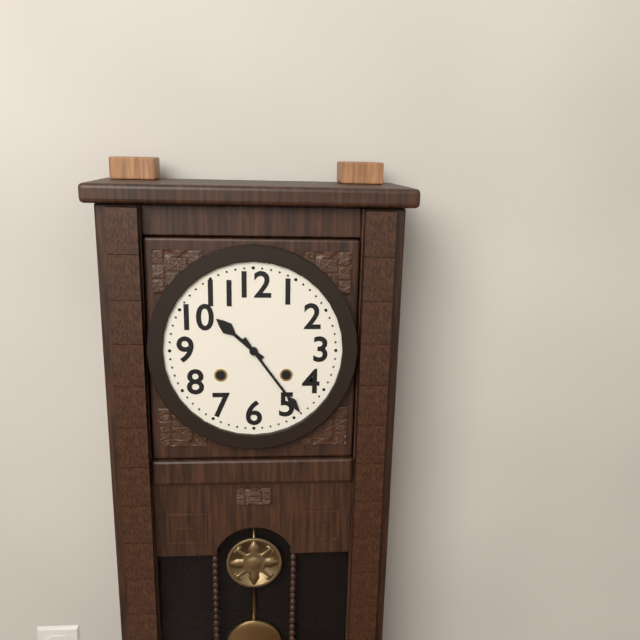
10:24
